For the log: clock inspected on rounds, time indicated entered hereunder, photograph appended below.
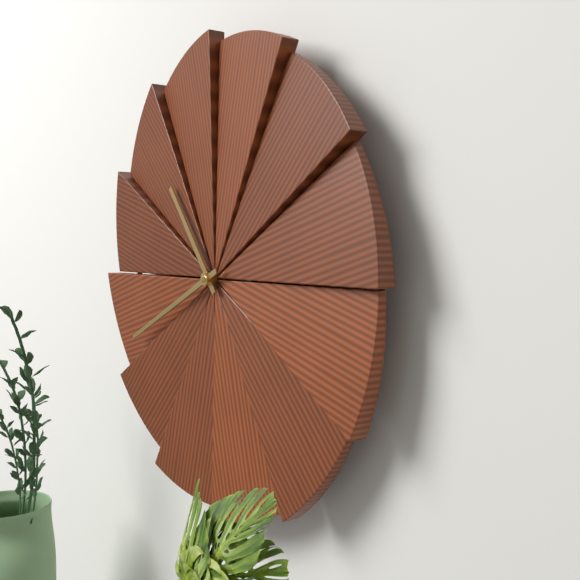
10:41
